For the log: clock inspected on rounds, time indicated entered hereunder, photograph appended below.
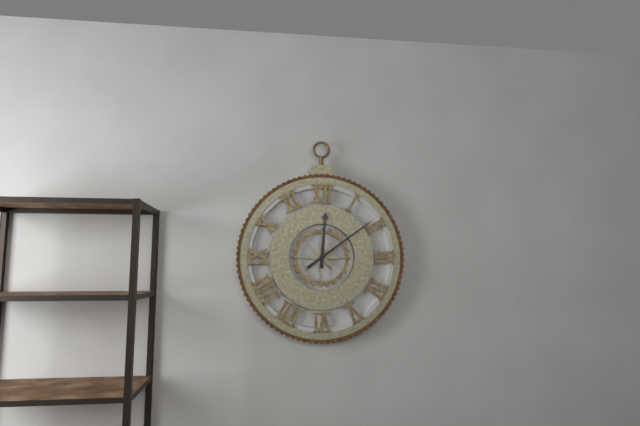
12:09
